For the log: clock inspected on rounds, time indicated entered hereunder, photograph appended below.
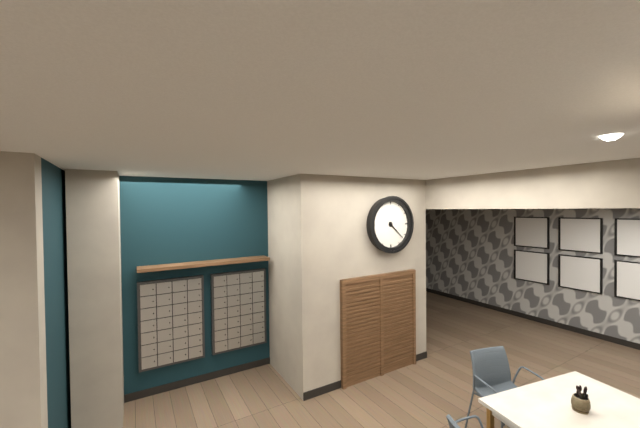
4:22
